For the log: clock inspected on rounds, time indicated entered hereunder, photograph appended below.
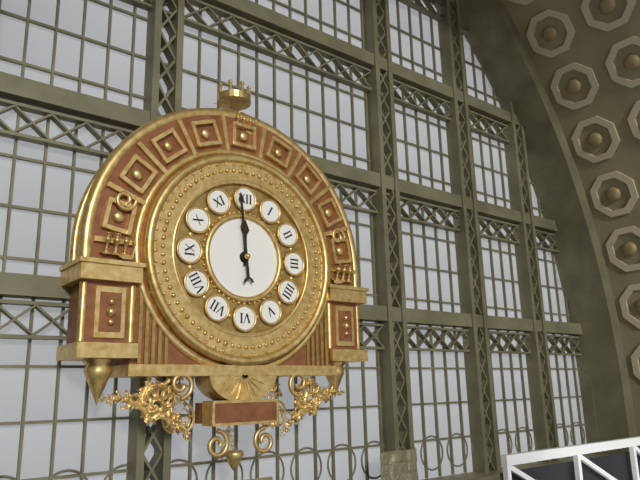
11:59
